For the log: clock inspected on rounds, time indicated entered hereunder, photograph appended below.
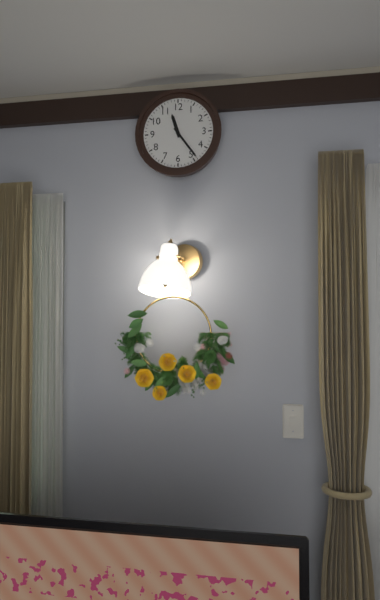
11:24
